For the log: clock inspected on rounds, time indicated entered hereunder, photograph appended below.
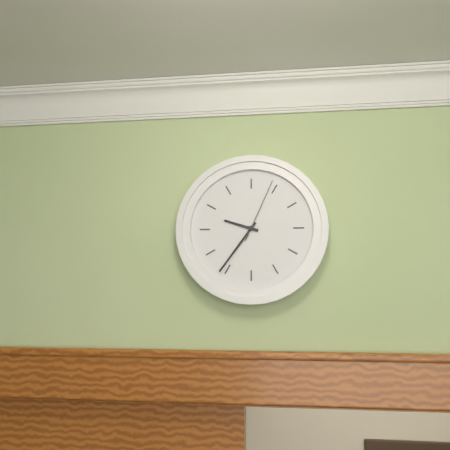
9:36:04
